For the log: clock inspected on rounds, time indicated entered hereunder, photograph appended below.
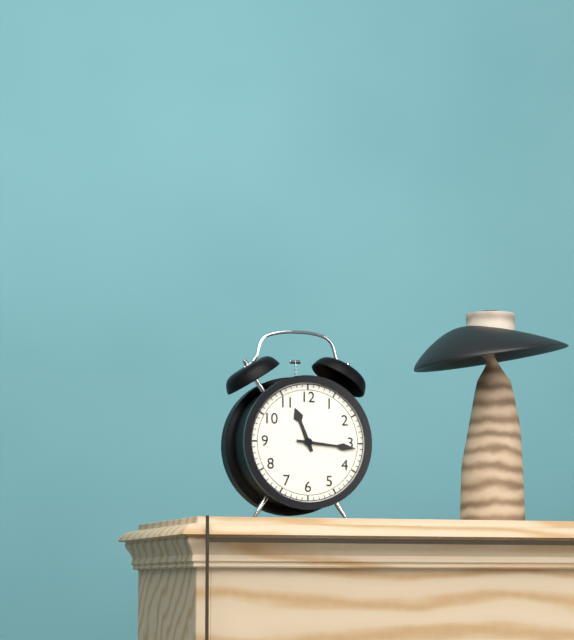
11:16
